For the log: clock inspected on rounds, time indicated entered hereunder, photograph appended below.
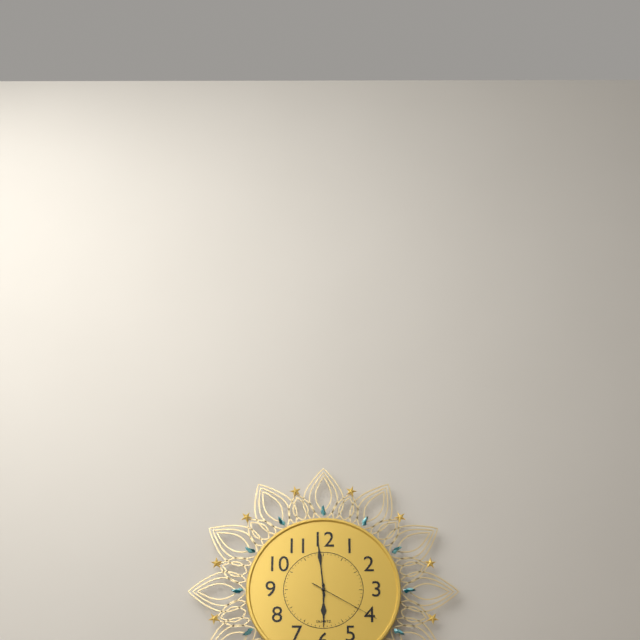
5:59:20
